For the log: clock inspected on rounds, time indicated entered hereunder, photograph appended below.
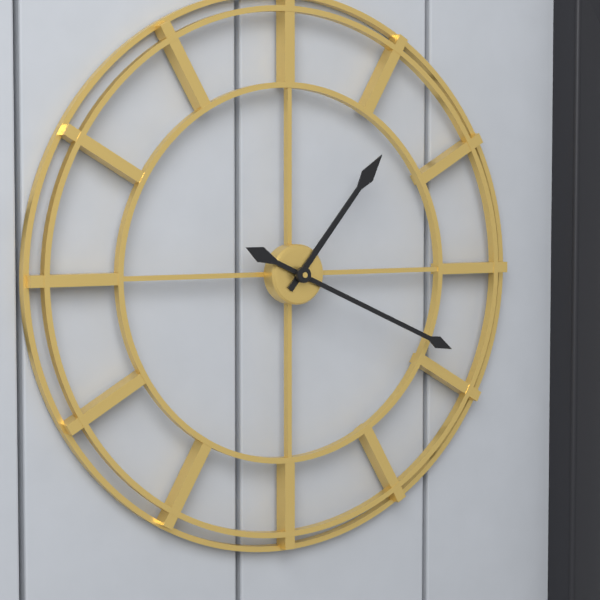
1:19
